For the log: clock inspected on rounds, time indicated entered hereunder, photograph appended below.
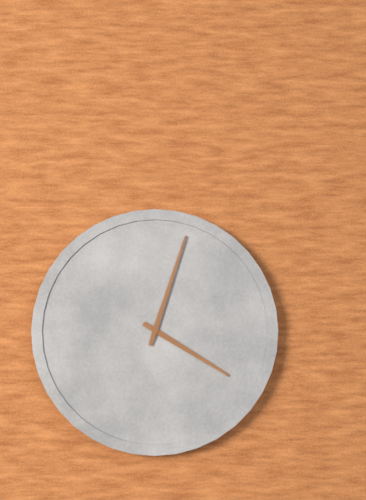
4:03
